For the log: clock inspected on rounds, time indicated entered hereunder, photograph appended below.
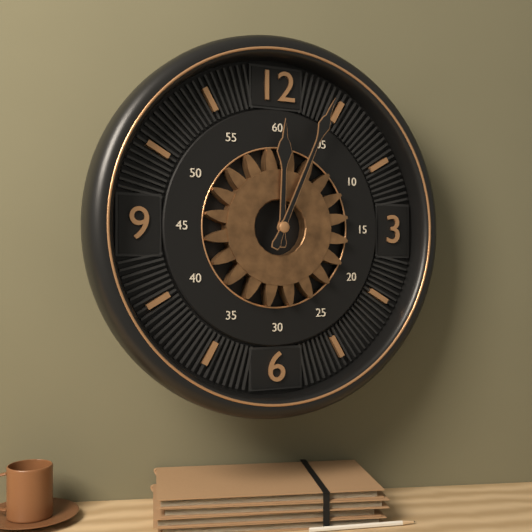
12:04
